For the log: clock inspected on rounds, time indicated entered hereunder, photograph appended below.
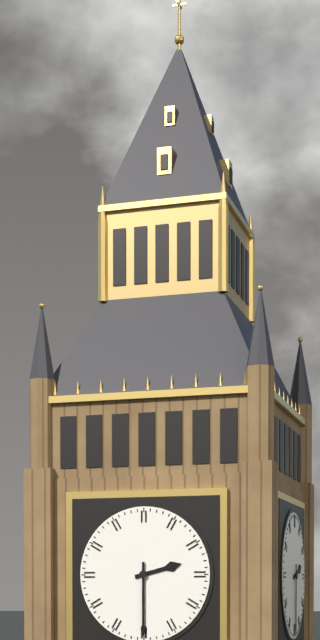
2:30
